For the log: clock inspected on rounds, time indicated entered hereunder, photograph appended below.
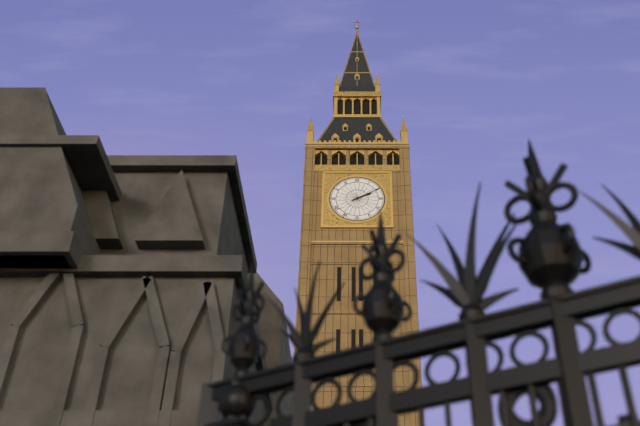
2:10
